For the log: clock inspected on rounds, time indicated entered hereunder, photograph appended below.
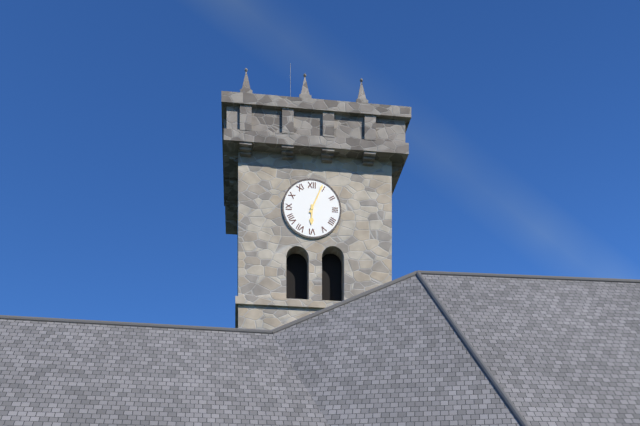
6:04
